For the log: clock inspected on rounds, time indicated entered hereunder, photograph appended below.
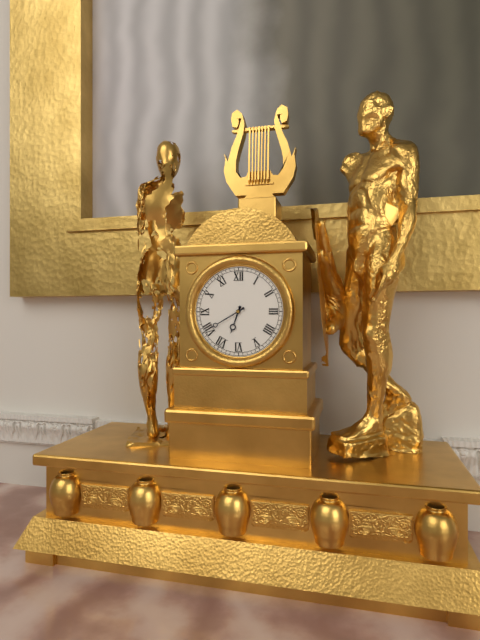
6:40
